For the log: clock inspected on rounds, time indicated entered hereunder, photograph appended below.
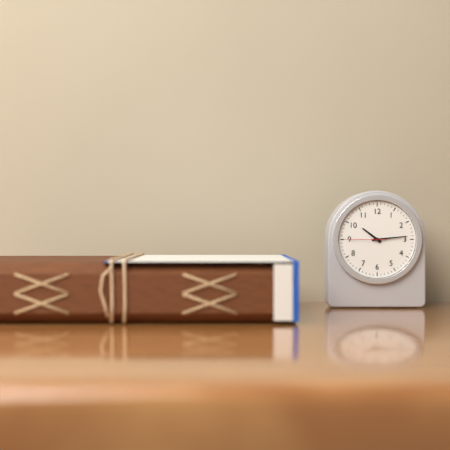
10:14
